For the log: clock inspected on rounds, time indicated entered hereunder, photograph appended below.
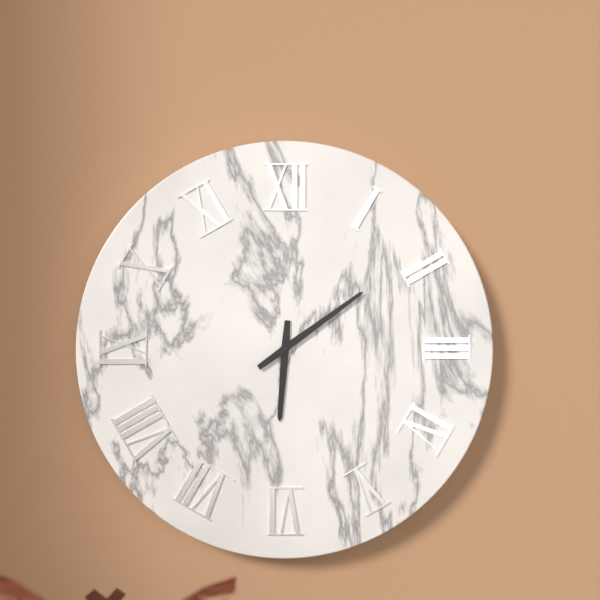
6:09
